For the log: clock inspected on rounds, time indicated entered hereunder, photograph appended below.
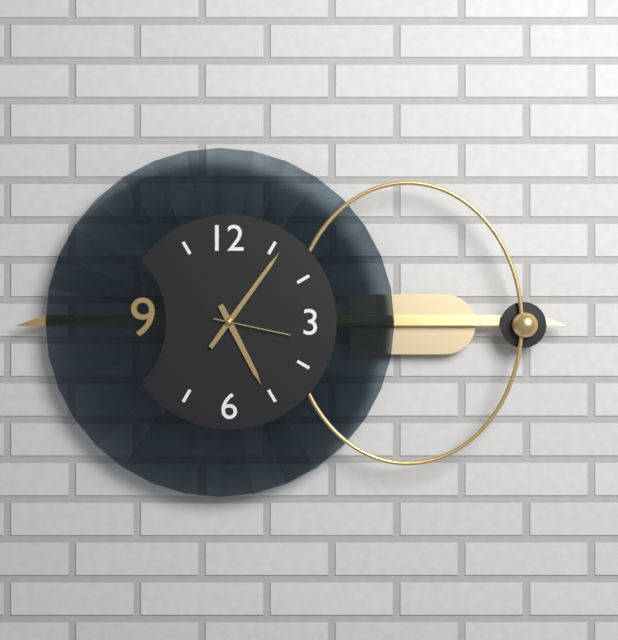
5:06:17
